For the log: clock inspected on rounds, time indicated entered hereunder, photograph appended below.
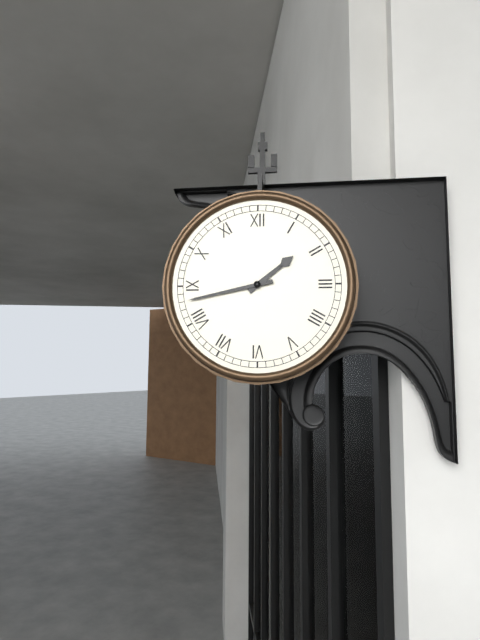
1:43
